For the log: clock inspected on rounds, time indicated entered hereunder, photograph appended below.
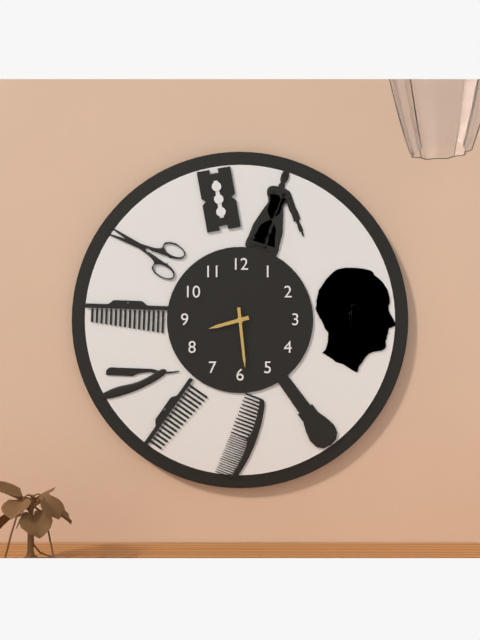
8:29
